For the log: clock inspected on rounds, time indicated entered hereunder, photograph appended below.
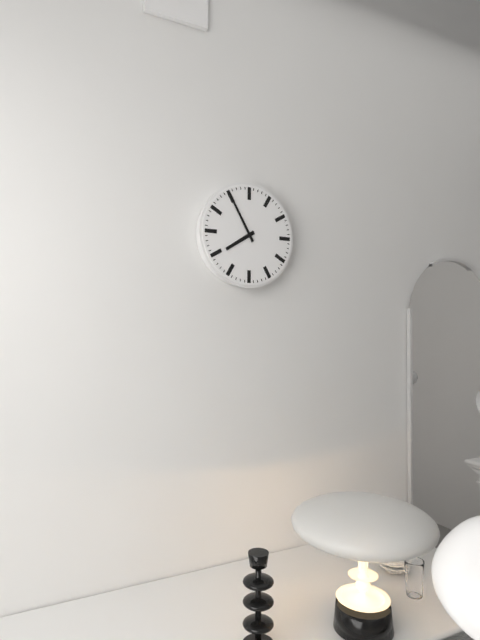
7:55
